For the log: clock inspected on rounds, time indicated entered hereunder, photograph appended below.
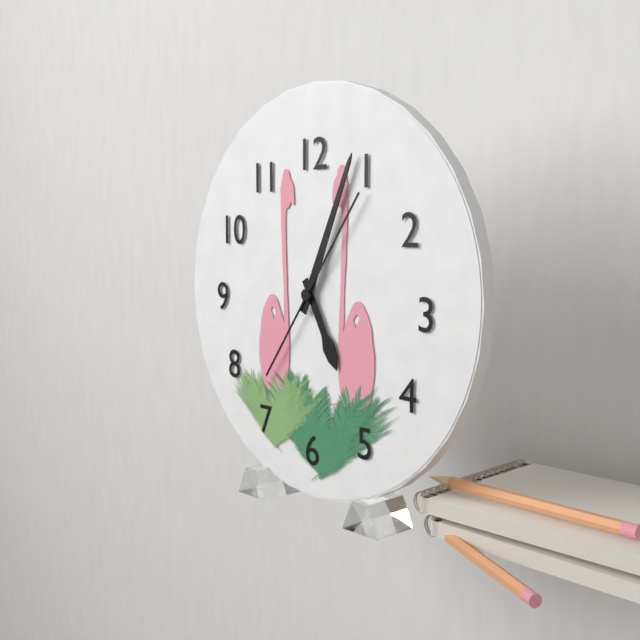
5:04:06
